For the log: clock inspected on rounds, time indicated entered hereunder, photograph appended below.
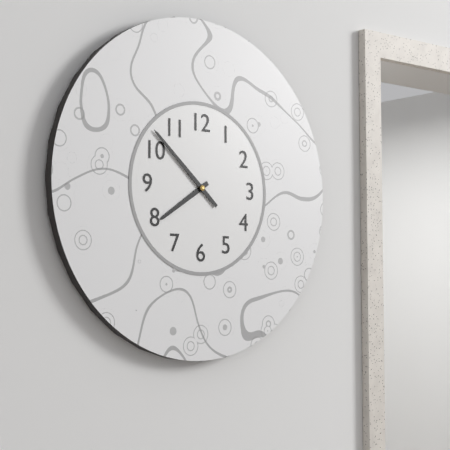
7:52
